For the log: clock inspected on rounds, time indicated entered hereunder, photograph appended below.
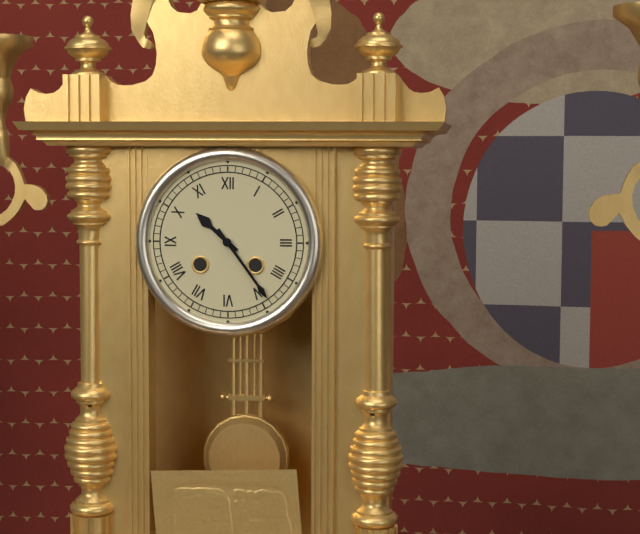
10:24
